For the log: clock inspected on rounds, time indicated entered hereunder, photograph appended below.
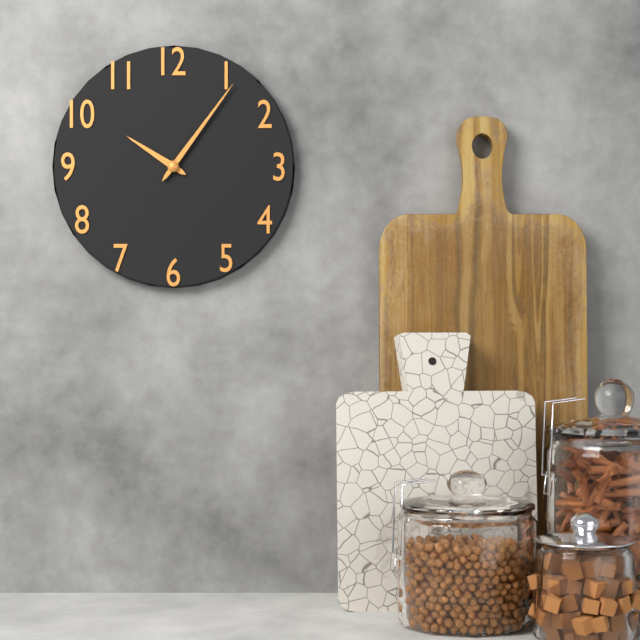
10:06
